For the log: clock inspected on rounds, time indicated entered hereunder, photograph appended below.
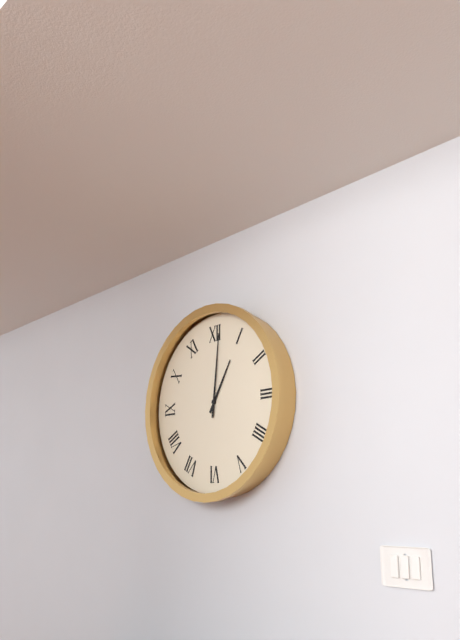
1:01
